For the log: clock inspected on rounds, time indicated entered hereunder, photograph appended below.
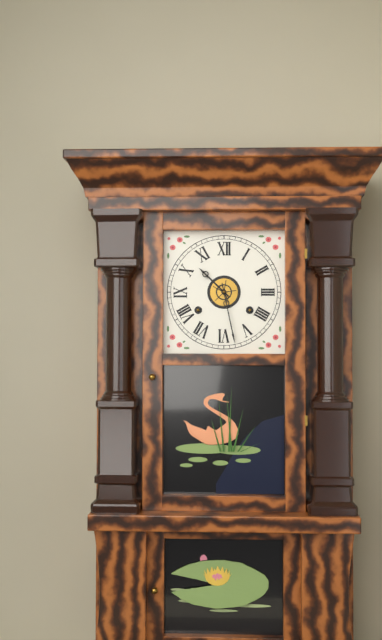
10:28
